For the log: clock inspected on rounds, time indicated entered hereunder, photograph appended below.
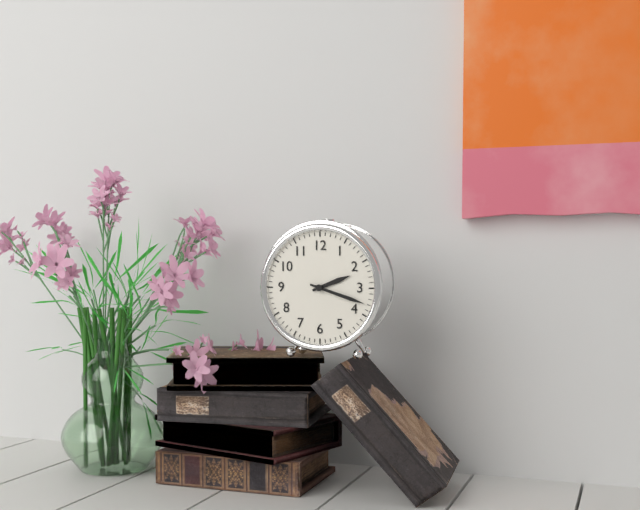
2:18
